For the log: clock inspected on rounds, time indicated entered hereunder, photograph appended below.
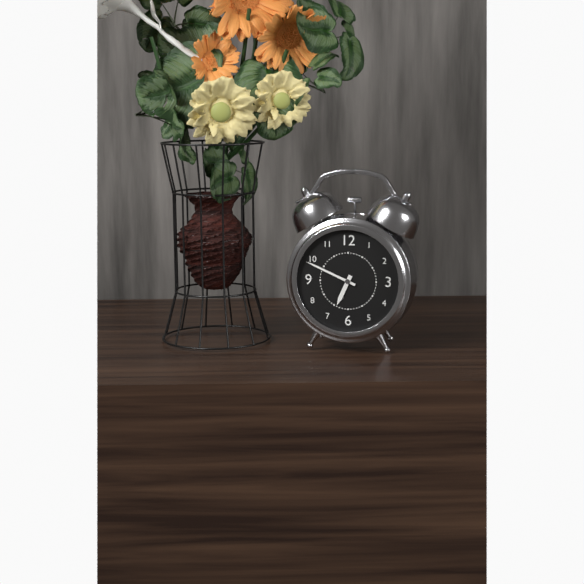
6:49
